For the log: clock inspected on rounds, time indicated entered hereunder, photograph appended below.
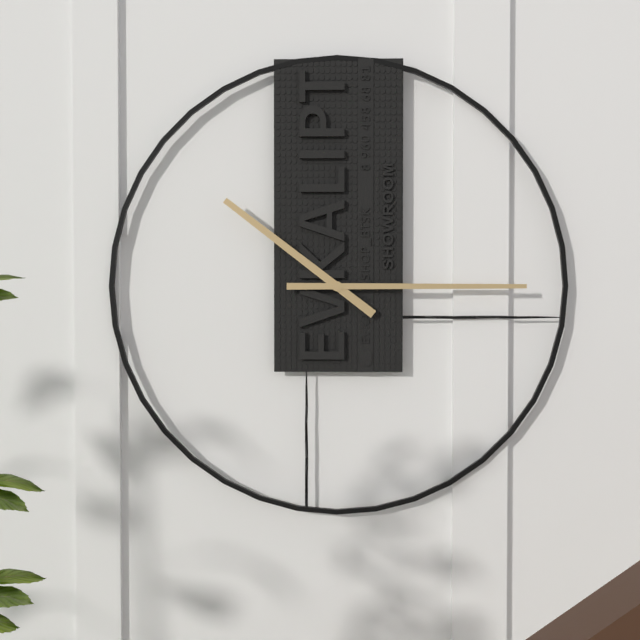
10:15
